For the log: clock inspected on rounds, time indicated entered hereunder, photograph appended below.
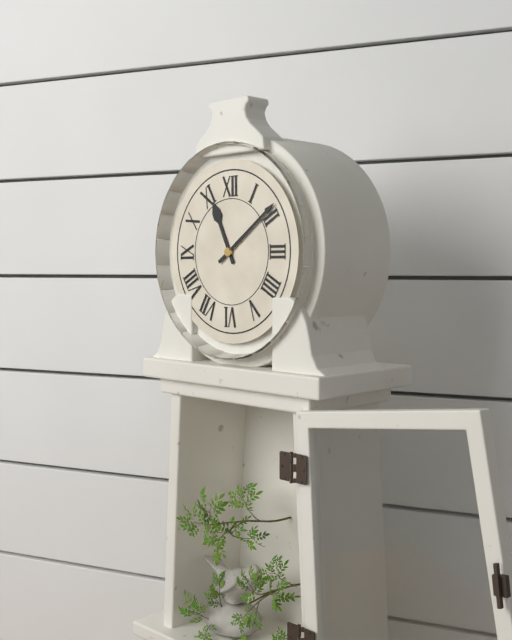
11:09
